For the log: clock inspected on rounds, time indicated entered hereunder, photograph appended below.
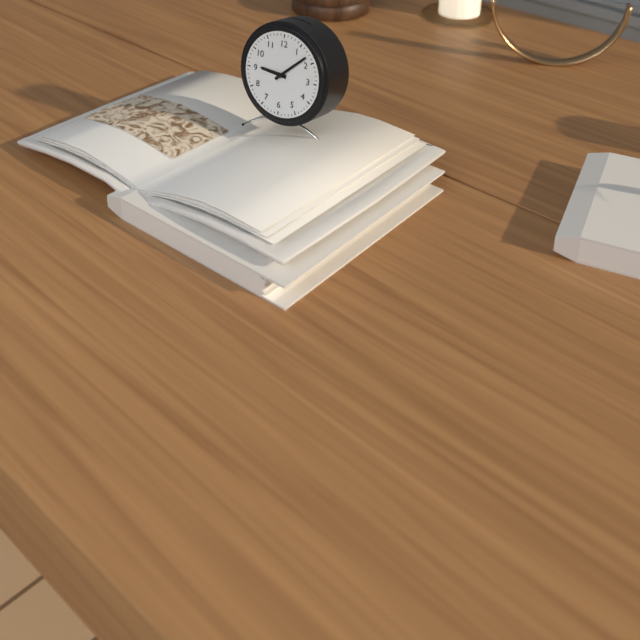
9:08
